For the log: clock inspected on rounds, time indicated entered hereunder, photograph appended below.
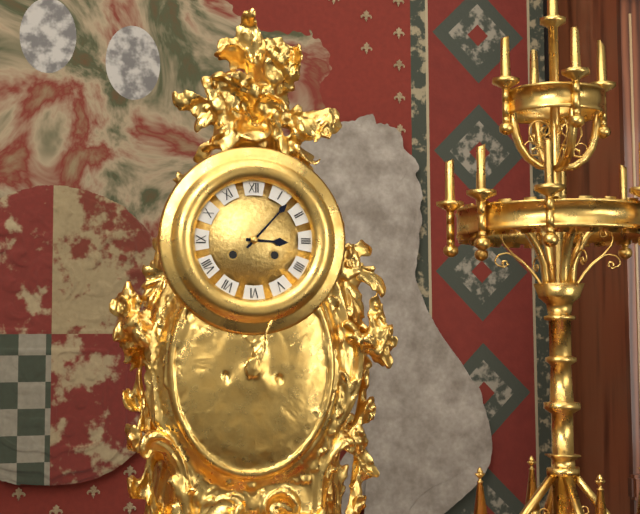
3:07
